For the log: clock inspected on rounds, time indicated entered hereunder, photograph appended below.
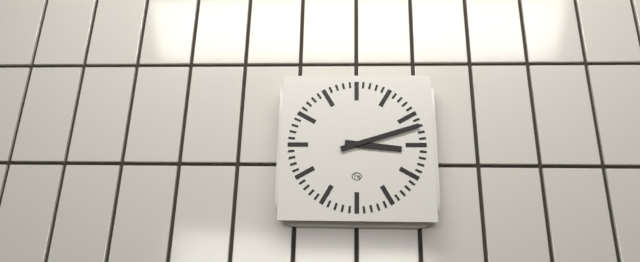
3:12
